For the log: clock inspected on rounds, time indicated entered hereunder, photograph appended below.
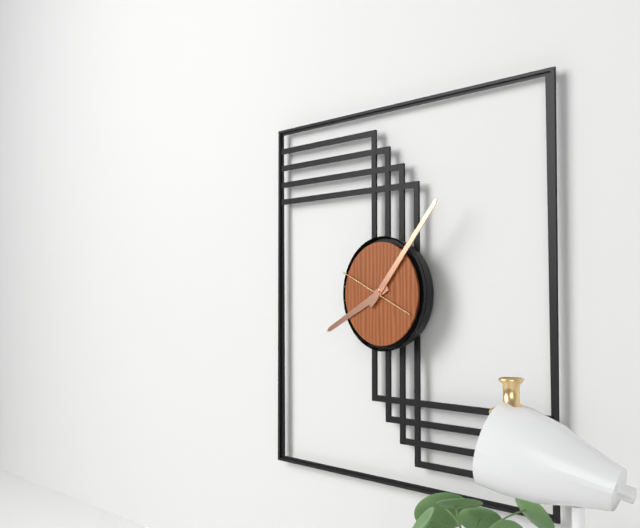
8:07:49
